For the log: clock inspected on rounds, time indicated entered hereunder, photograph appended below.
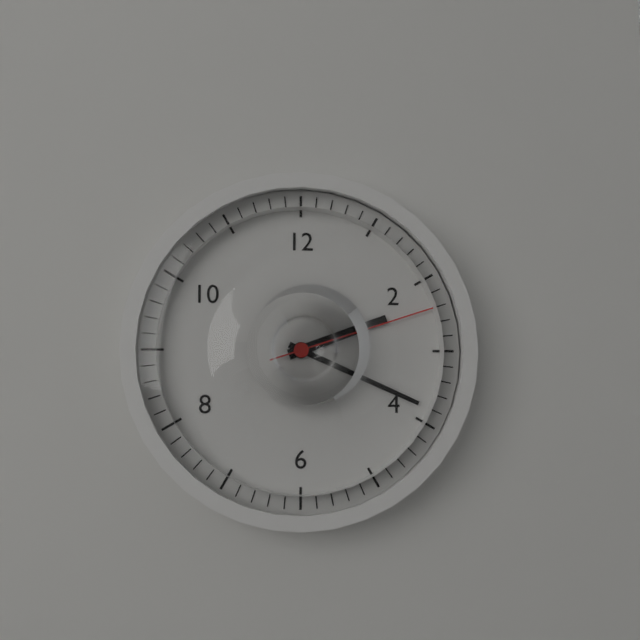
2:19:12
